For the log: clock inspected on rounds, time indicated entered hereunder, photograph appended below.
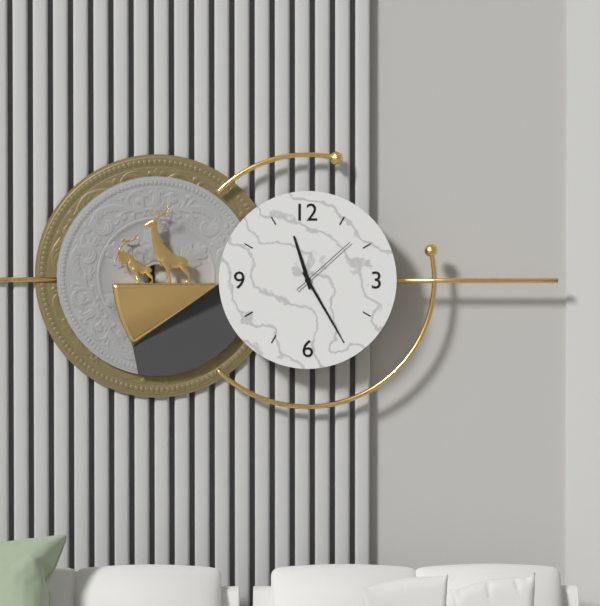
11:25:08
